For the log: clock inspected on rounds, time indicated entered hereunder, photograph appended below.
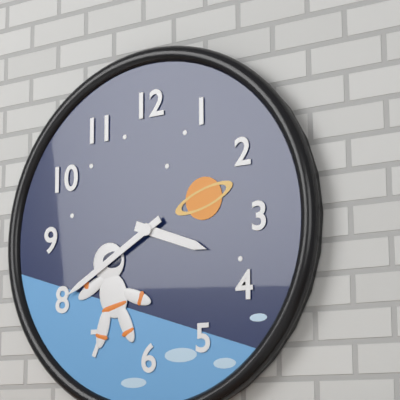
3:40
